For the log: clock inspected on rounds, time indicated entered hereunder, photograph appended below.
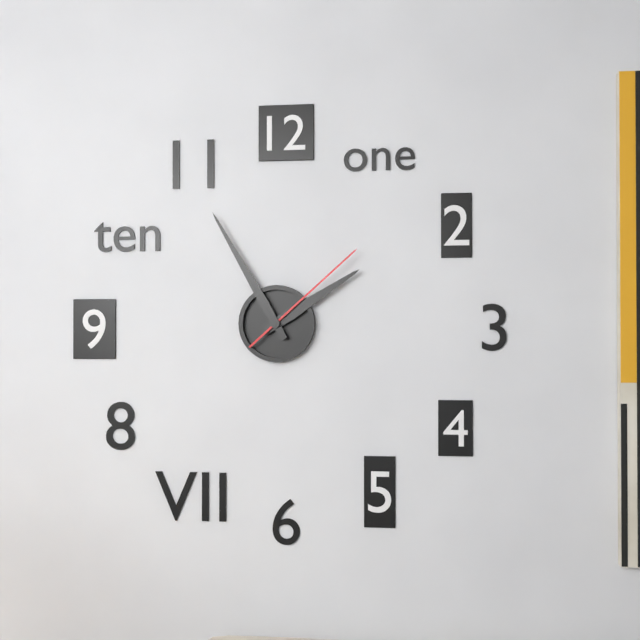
1:55:08
